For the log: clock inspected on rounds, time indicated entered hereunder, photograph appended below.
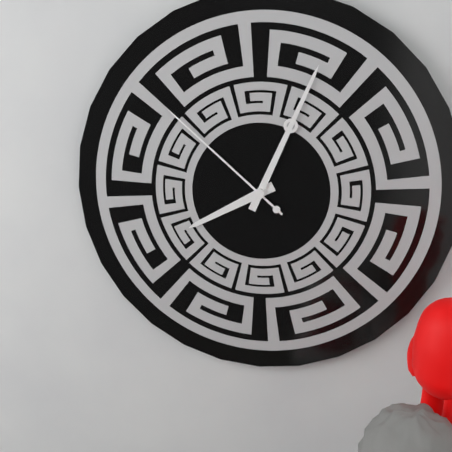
8:04:52
